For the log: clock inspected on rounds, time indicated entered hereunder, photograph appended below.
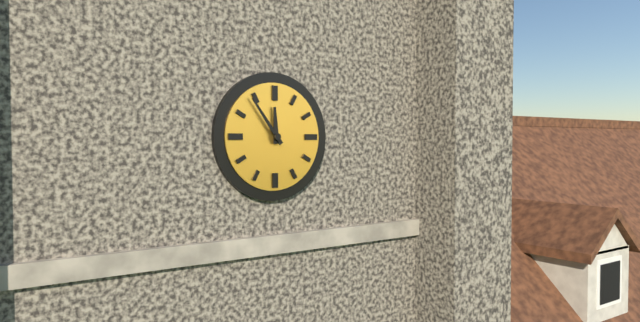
11:54
